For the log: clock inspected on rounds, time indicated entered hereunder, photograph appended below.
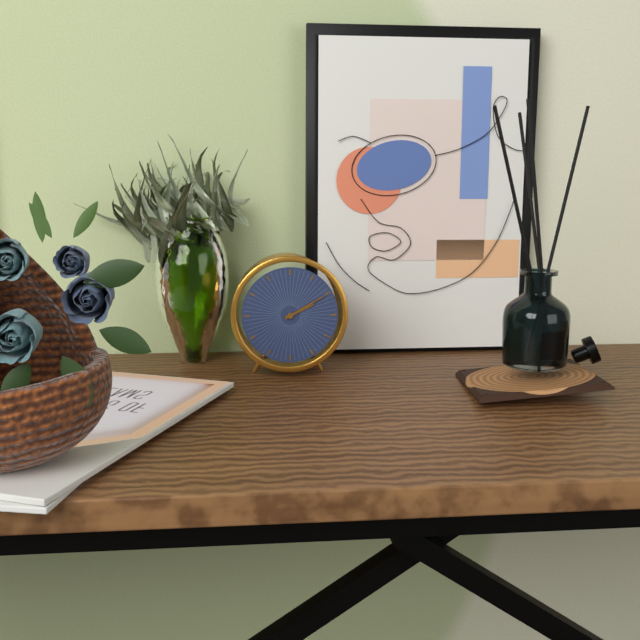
2:10
